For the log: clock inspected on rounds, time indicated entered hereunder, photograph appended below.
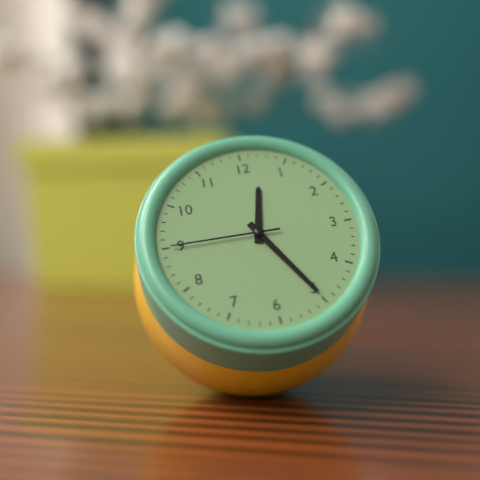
12:25:45
